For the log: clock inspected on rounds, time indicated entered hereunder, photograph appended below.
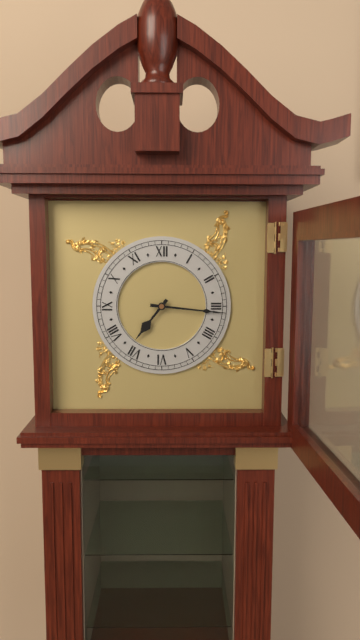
7:16
